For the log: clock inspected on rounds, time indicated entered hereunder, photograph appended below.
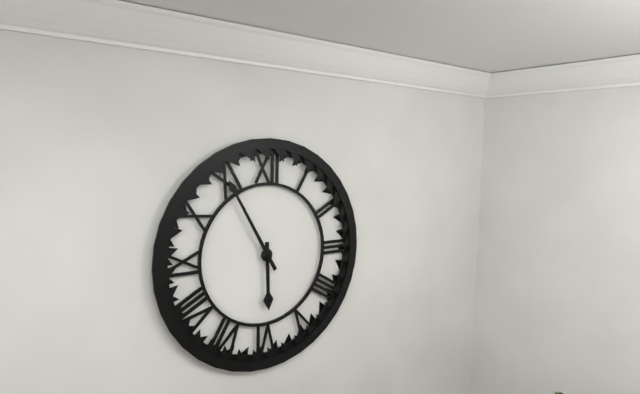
5:55
